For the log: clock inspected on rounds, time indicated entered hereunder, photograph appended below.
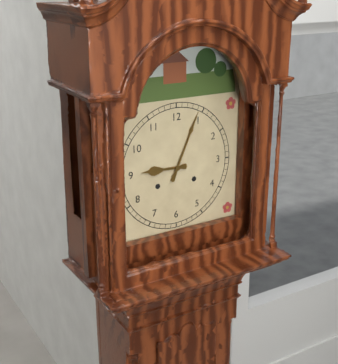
9:04
